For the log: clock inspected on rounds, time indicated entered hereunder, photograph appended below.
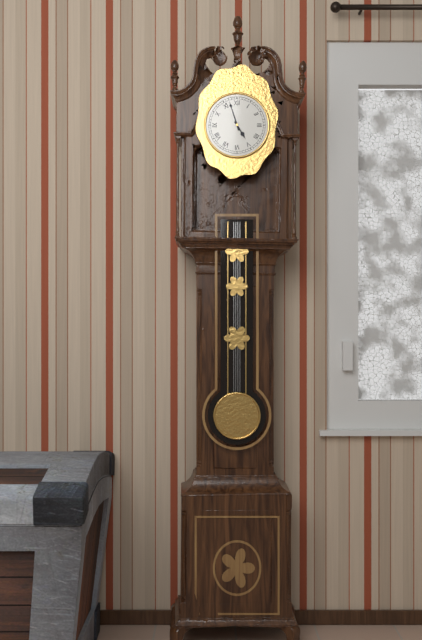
4:57
